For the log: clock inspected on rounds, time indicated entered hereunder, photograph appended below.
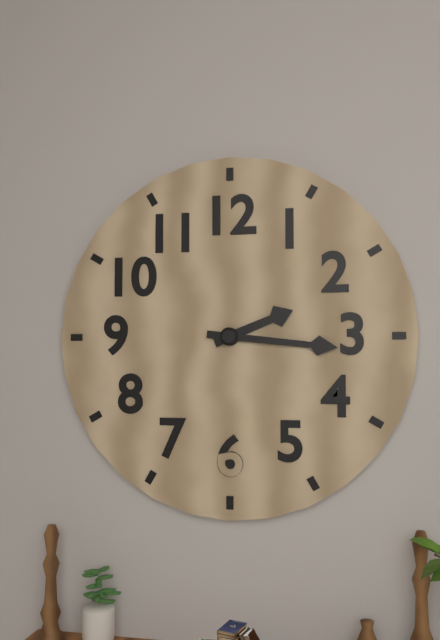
2:16
